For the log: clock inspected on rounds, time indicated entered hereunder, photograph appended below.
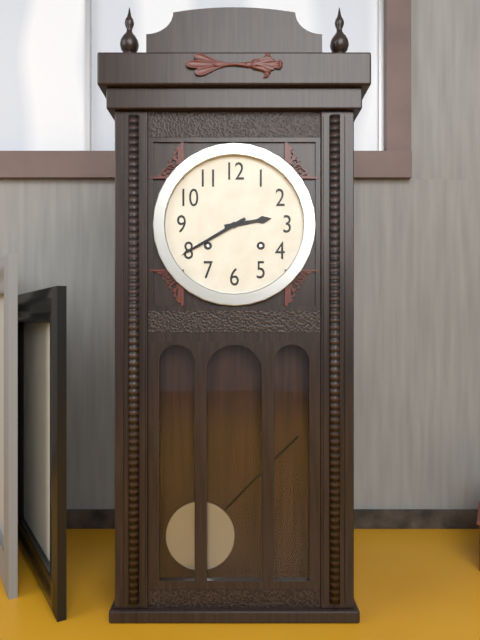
2:40
